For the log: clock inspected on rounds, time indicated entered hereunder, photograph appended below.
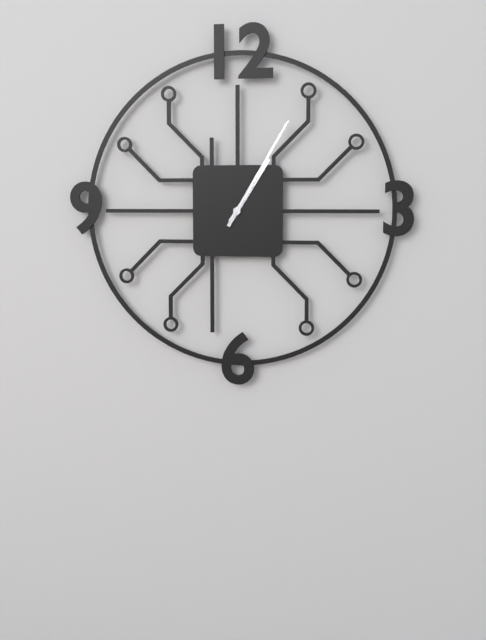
1:05
